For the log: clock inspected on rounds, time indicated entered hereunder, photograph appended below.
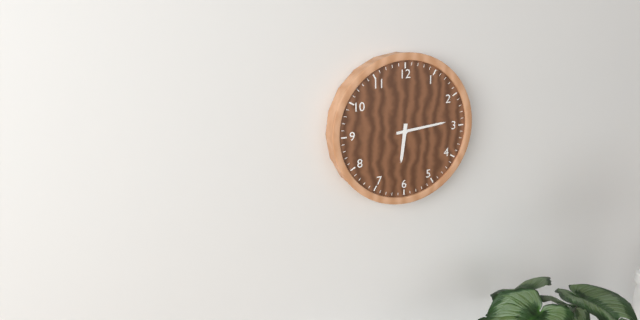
6:14
